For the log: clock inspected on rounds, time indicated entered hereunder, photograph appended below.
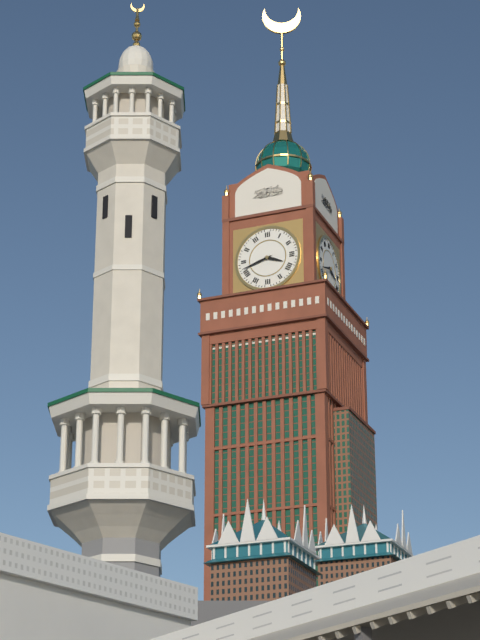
3:42
